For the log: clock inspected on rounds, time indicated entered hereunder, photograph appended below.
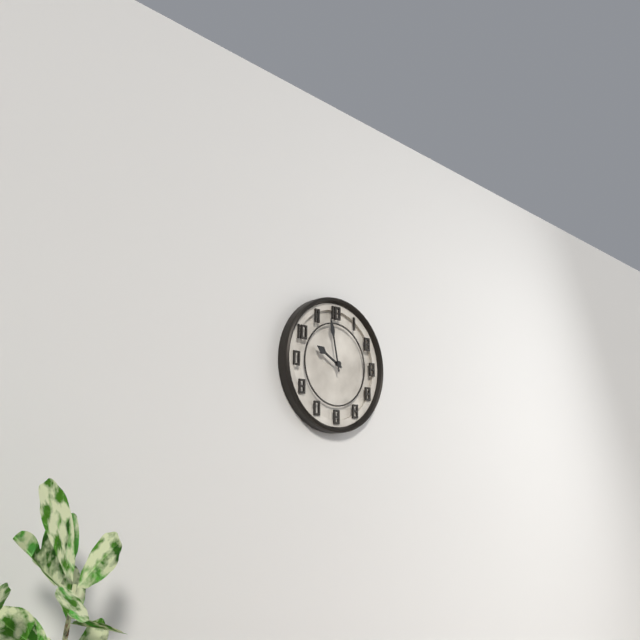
9:58
